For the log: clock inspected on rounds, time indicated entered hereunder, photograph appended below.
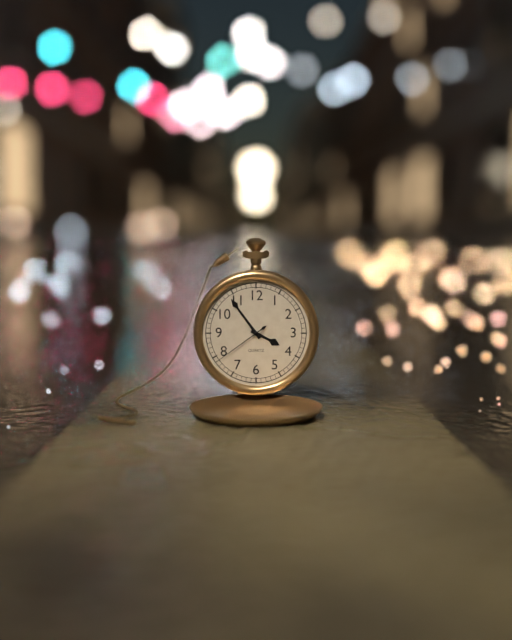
3:54:39
